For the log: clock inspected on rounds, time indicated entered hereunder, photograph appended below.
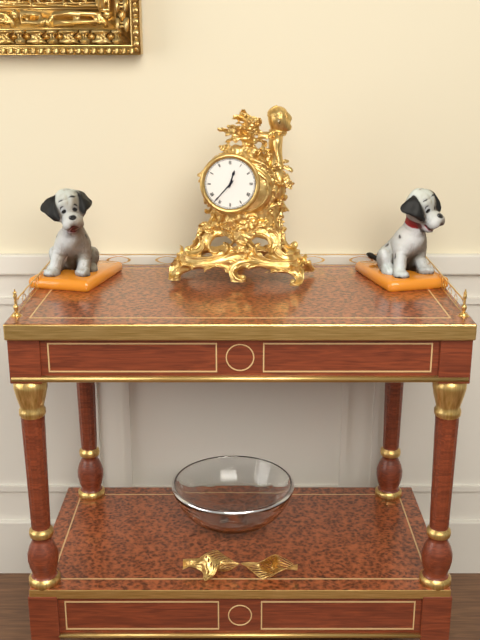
12:37
